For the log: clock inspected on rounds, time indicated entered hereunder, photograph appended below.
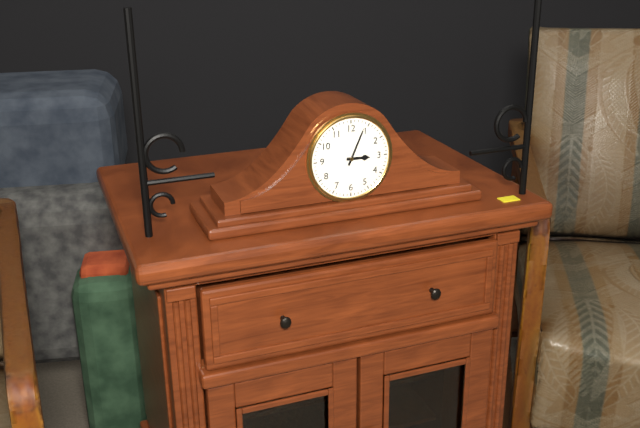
3:04
